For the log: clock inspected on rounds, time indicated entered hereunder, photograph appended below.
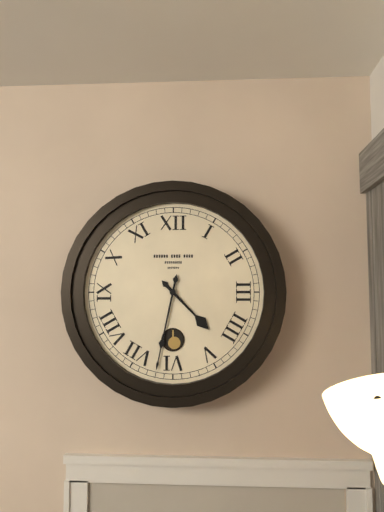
4:32
